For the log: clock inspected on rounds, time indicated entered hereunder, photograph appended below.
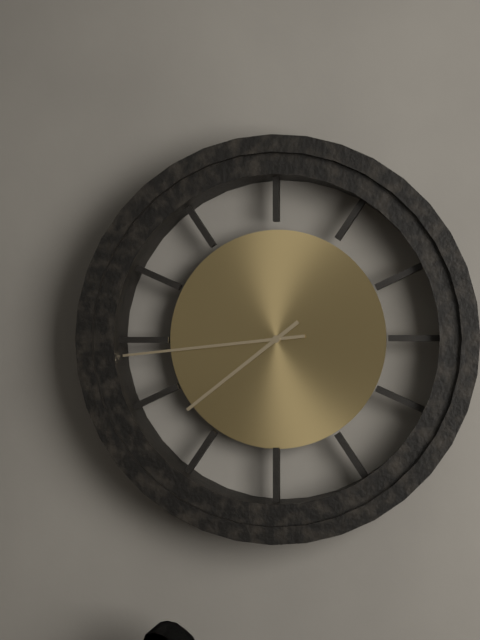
7:44
